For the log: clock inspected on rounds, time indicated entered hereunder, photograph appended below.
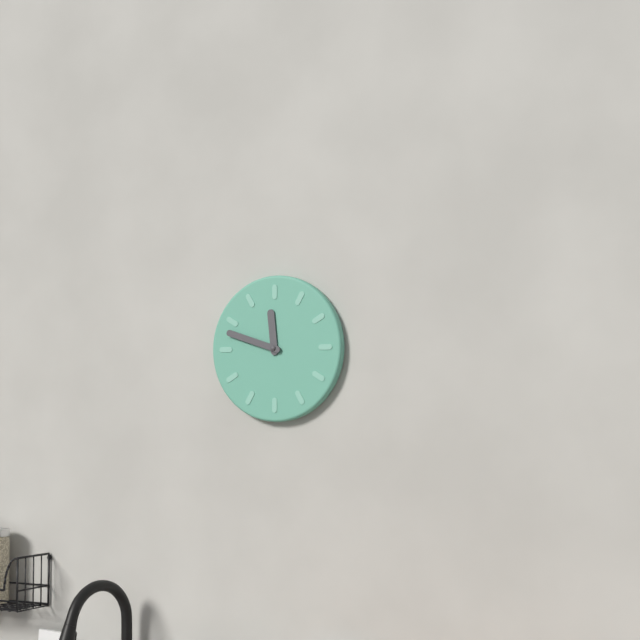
11:48
